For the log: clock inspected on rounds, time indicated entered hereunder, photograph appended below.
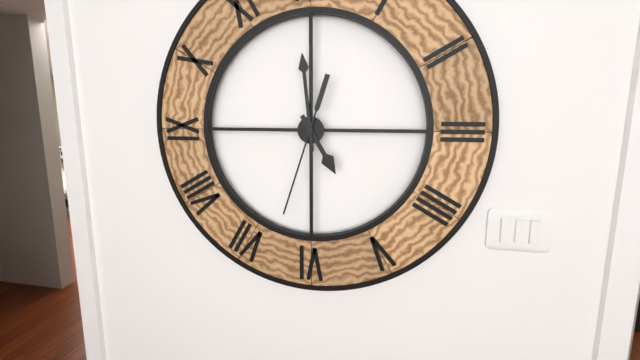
4:59:33
